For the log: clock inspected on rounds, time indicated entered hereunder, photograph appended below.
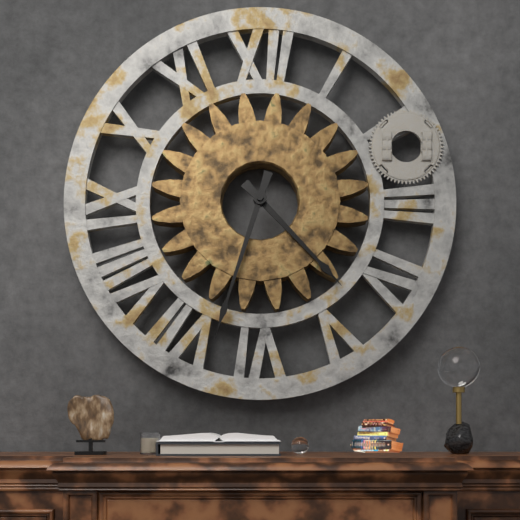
4:33
